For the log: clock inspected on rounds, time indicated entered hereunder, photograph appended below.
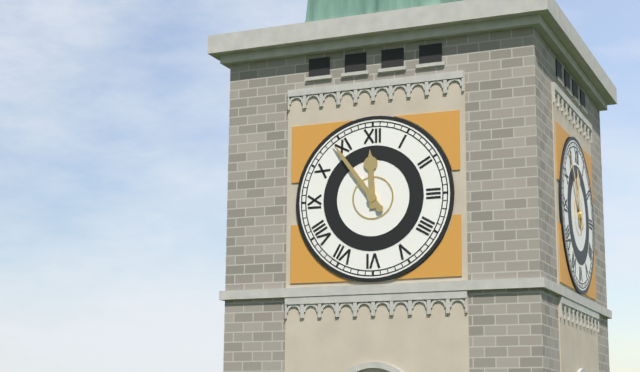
11:54
